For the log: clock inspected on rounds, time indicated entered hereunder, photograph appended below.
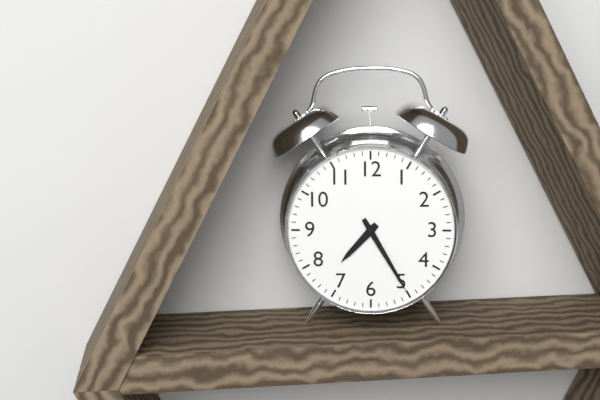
7:25
